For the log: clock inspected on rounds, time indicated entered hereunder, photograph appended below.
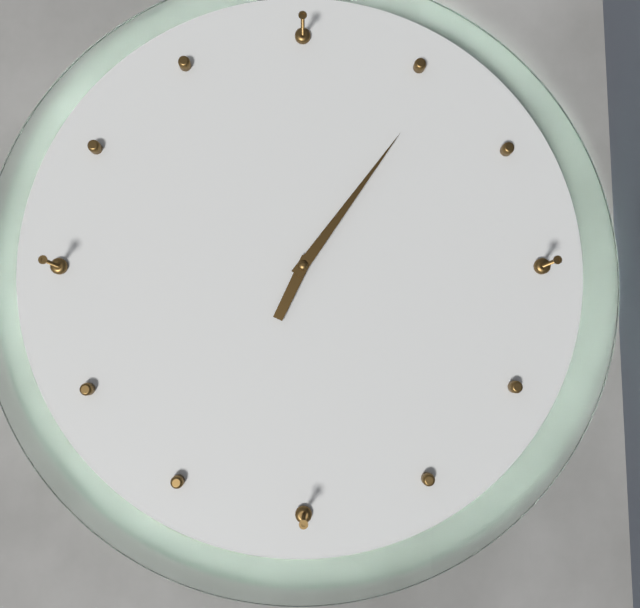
3:51
